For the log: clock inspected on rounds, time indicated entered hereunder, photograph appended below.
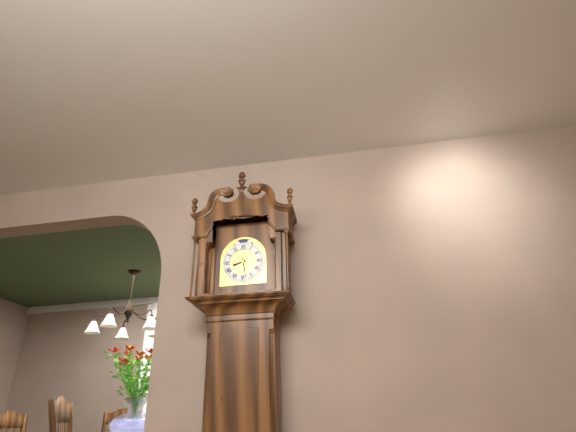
8:28
